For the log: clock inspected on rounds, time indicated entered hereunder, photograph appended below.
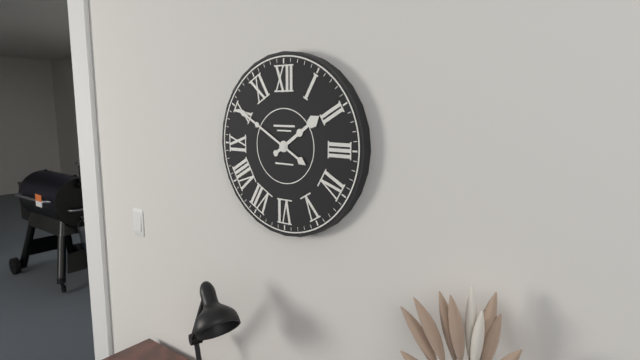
1:50
